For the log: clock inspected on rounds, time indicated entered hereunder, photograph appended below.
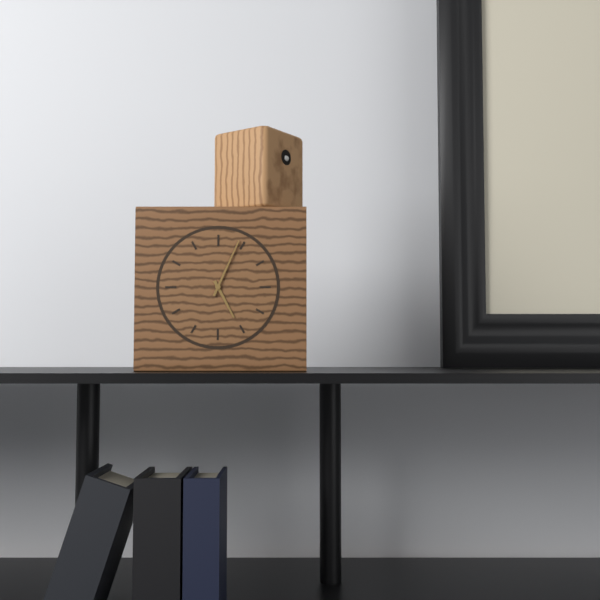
5:04
